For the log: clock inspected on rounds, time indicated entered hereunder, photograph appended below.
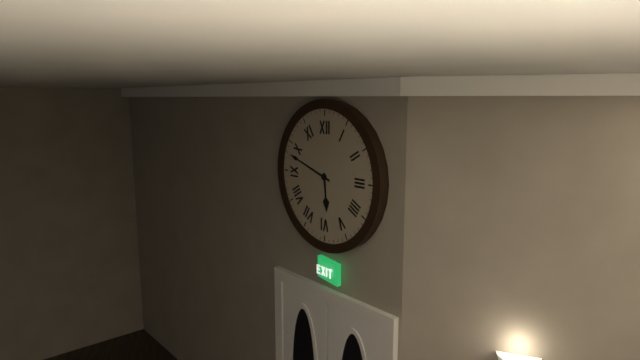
5:48
